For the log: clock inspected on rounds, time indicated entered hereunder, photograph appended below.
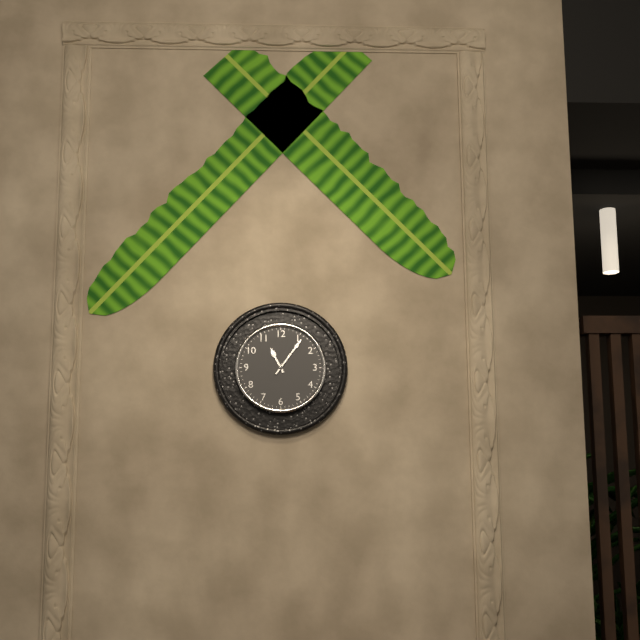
11:06
